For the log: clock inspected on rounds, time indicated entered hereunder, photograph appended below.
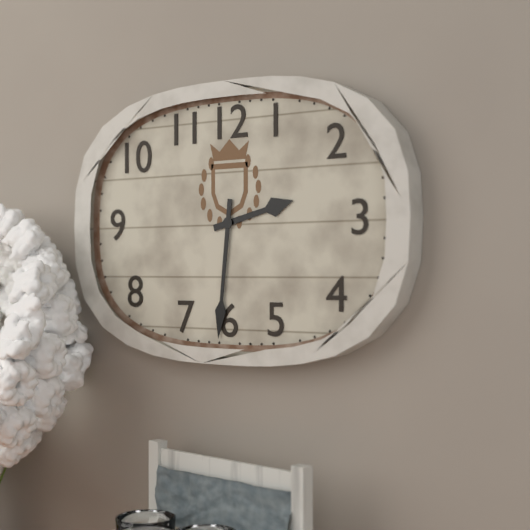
2:31
